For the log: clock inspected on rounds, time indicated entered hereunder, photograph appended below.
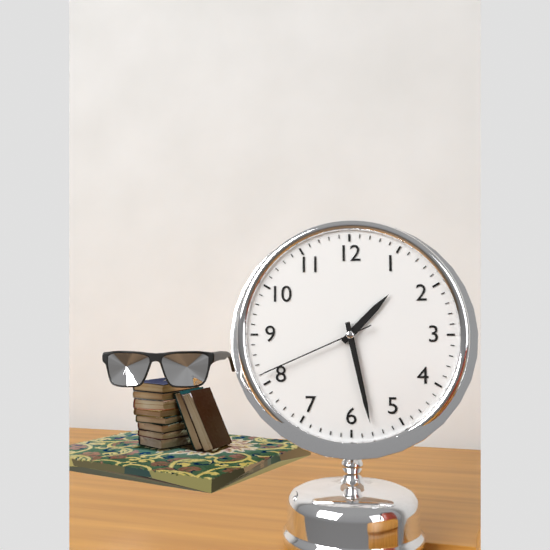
1:28:41
